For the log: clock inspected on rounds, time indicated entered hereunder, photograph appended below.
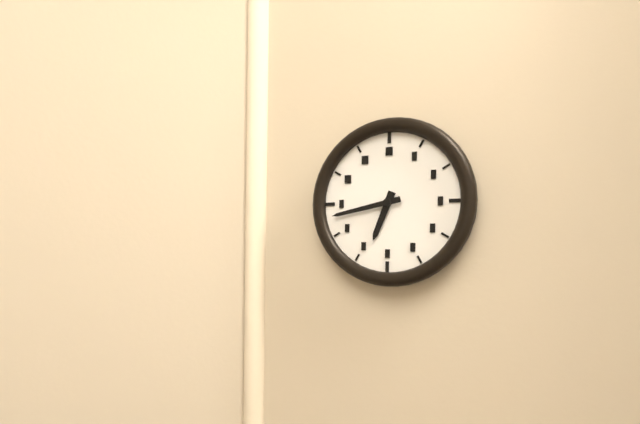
6:43
